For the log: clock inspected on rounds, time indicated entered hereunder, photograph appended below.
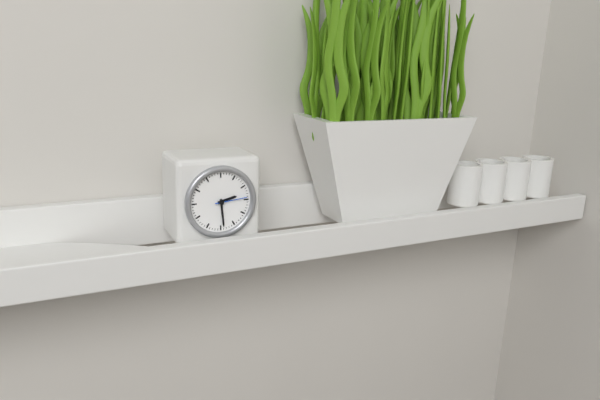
2:29
